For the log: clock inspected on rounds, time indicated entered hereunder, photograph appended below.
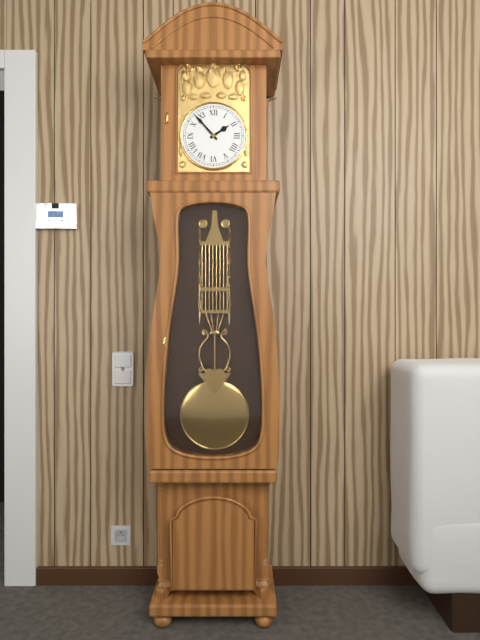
1:53
